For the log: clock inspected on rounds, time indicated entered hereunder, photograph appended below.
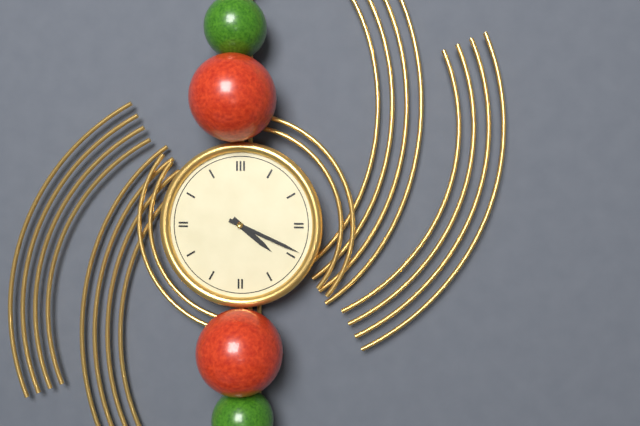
4:19
